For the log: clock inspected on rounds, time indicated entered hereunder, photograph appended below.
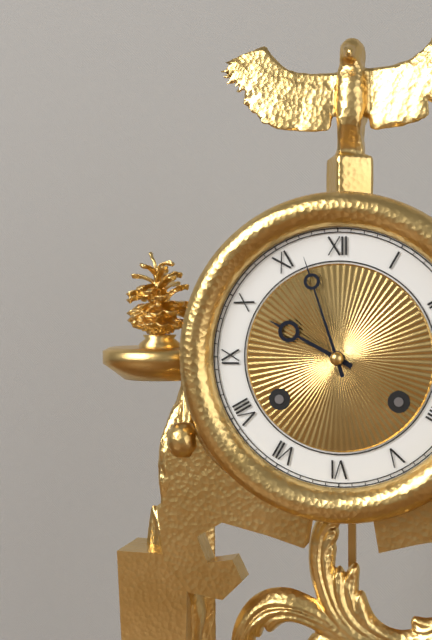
9:57
